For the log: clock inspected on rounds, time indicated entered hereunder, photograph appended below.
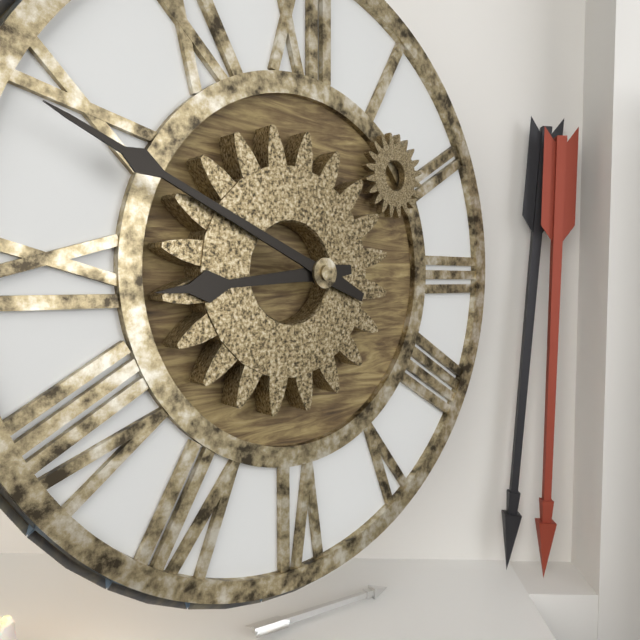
8:49
